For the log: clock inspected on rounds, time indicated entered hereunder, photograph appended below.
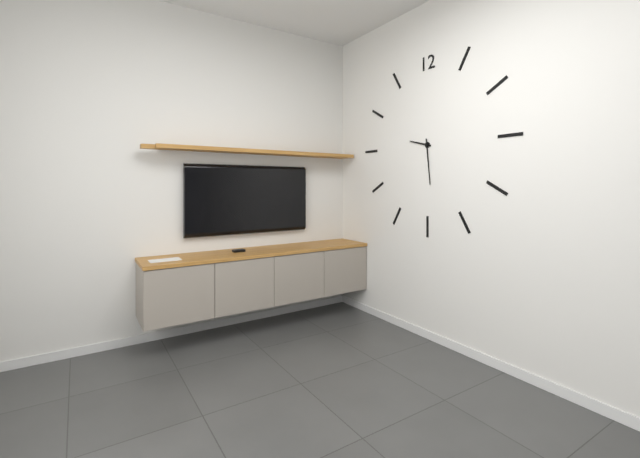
9:29
